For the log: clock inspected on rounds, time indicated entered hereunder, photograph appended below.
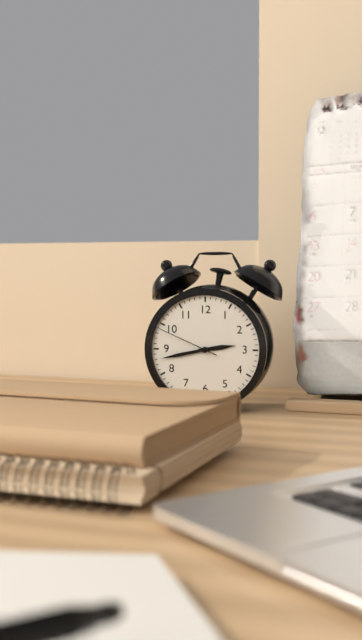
2:43:49
